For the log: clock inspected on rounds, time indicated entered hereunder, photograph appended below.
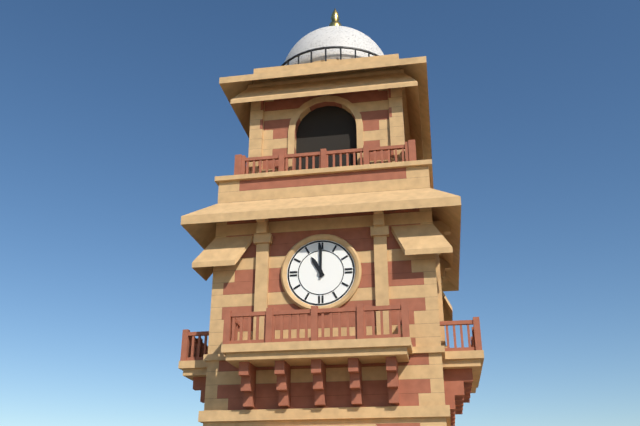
11:00
